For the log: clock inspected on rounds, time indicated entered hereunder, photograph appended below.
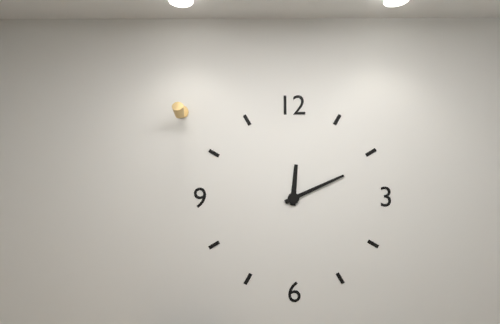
12:11
